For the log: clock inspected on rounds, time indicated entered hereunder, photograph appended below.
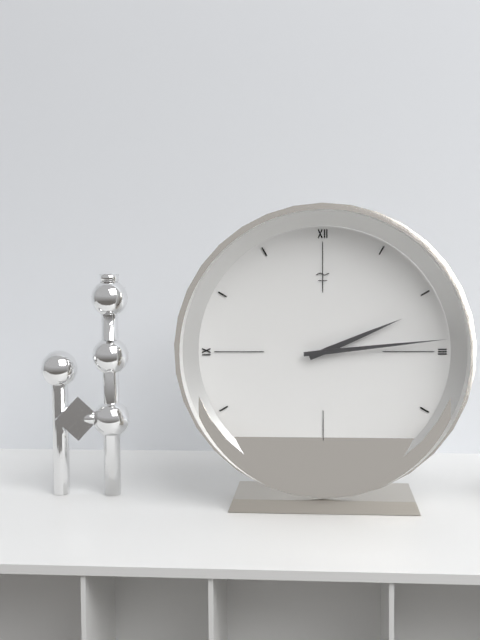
2:14
